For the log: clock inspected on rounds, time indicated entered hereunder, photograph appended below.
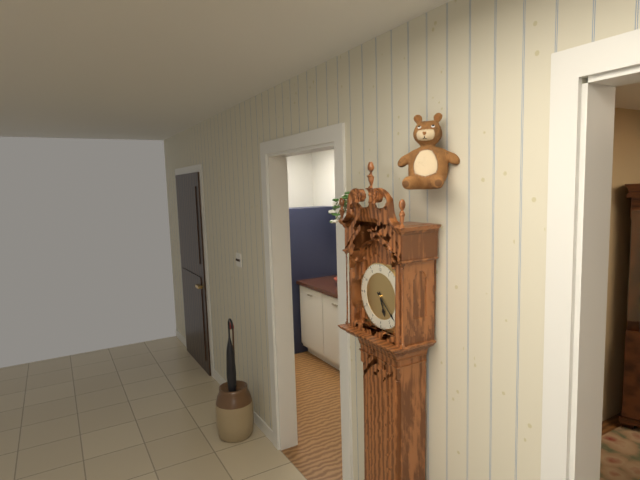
5:22
